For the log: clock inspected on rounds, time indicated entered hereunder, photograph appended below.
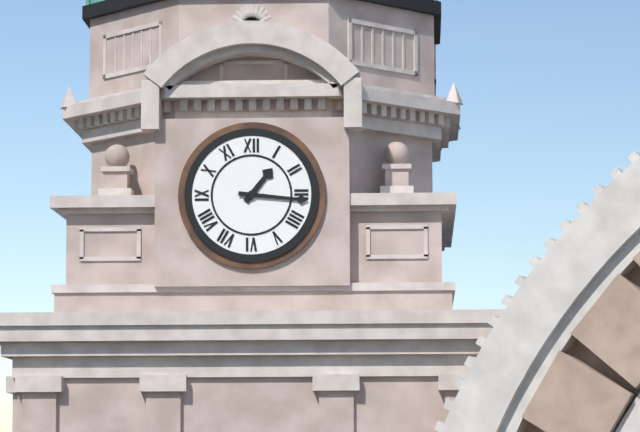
1:16
